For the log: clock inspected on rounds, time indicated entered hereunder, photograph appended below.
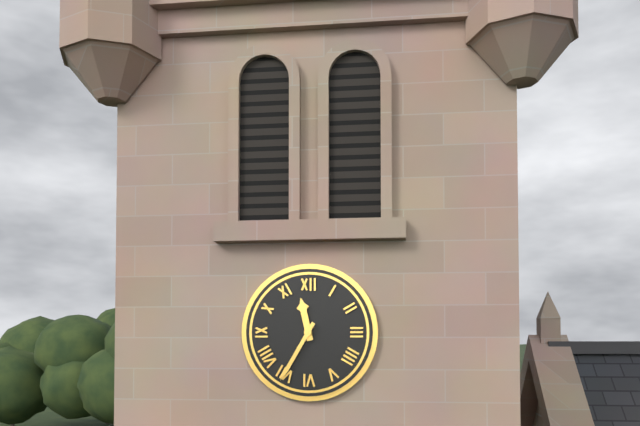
11:35
